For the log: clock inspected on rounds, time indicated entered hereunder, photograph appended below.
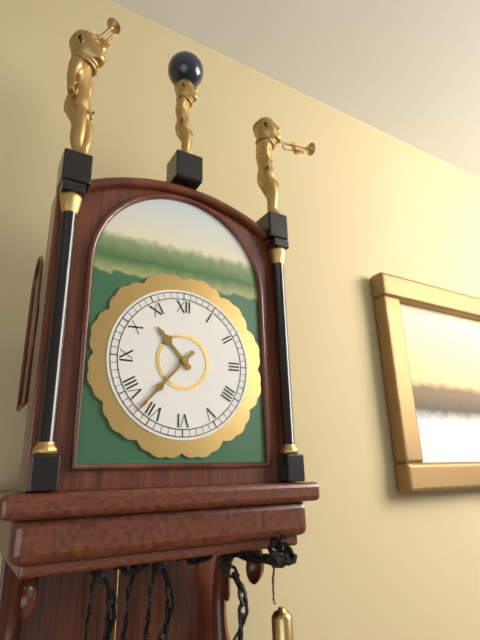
10:37
